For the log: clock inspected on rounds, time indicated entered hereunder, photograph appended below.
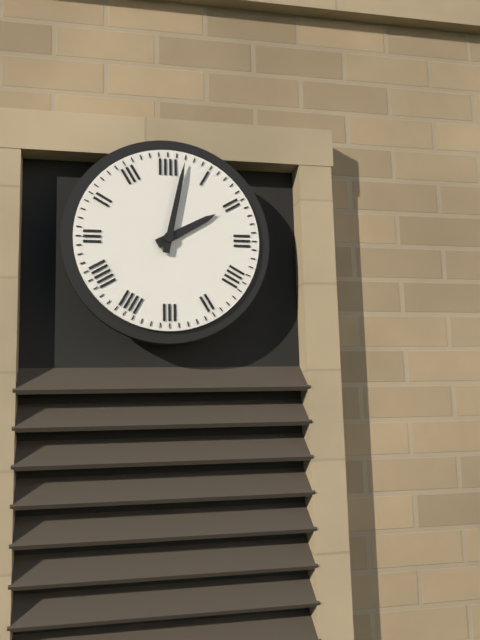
2:02
